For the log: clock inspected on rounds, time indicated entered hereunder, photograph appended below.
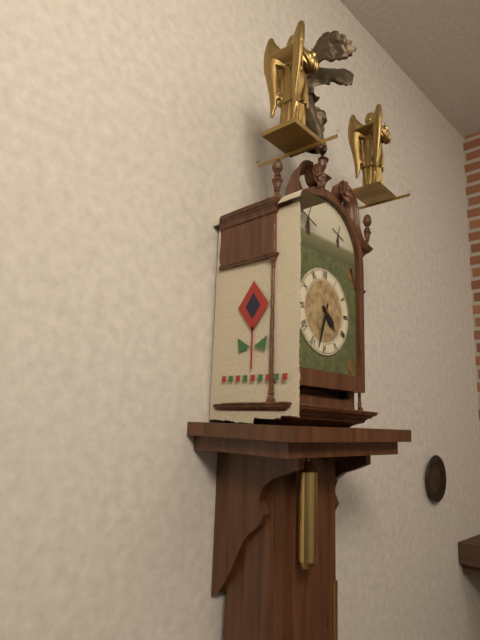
4:33
